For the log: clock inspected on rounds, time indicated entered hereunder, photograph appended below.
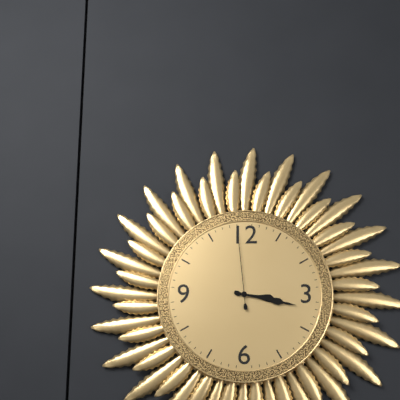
3:17:59
